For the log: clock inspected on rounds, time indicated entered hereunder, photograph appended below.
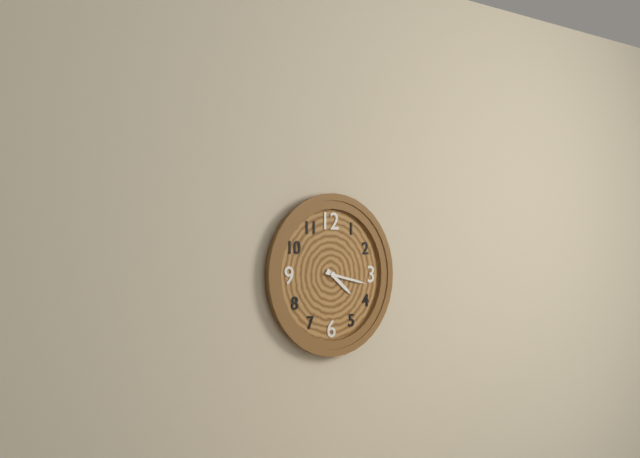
4:17
